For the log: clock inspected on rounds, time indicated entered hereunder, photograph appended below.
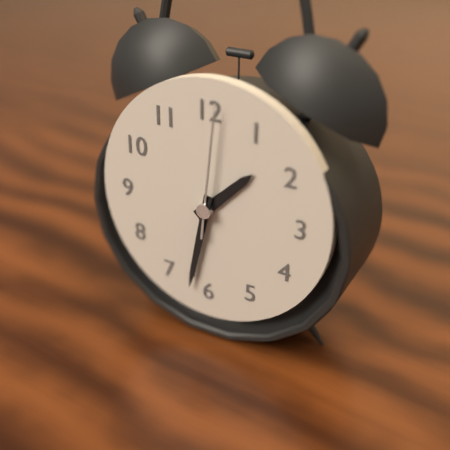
1:32:01
